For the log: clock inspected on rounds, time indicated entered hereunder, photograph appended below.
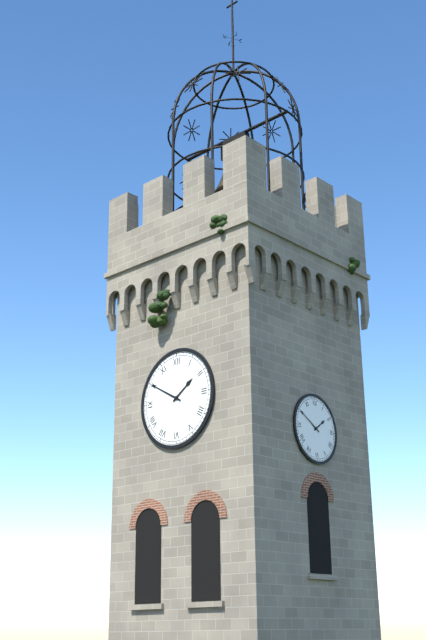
1:50
